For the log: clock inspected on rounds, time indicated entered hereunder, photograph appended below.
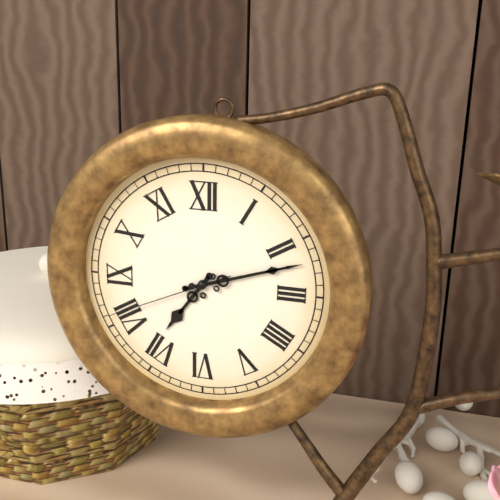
7:12:41
